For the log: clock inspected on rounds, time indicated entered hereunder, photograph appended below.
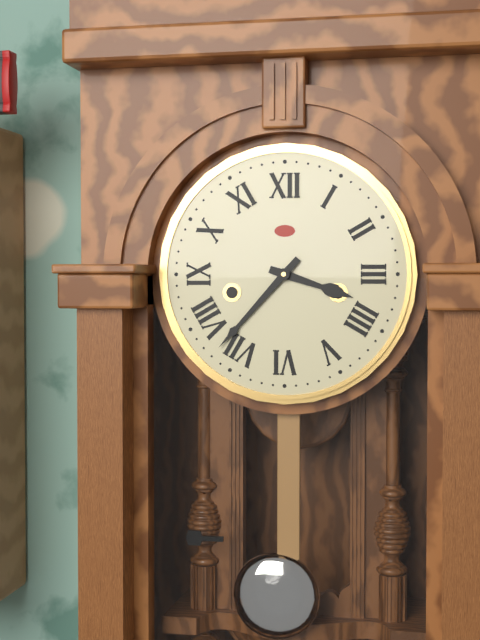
3:37
